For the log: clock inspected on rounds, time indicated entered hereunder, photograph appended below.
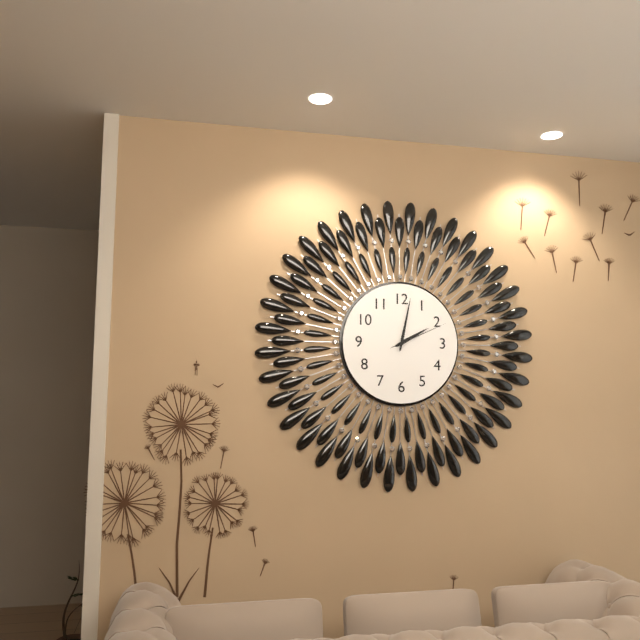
2:02:11
